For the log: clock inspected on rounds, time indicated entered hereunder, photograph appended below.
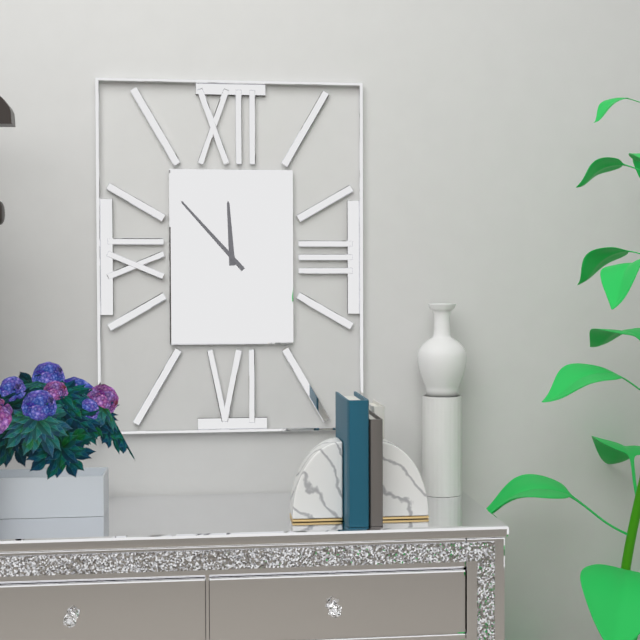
11:53
